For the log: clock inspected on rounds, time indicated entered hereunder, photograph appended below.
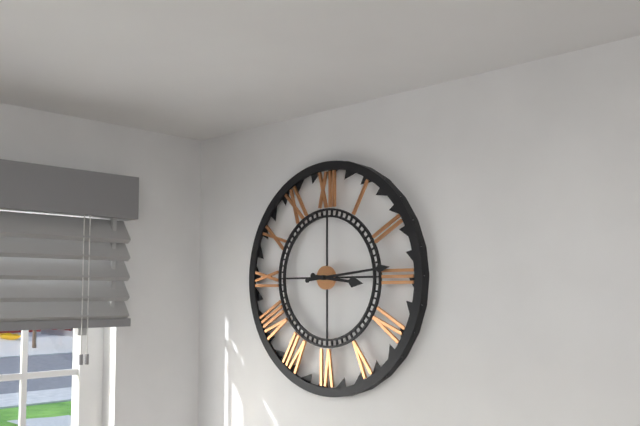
3:14
